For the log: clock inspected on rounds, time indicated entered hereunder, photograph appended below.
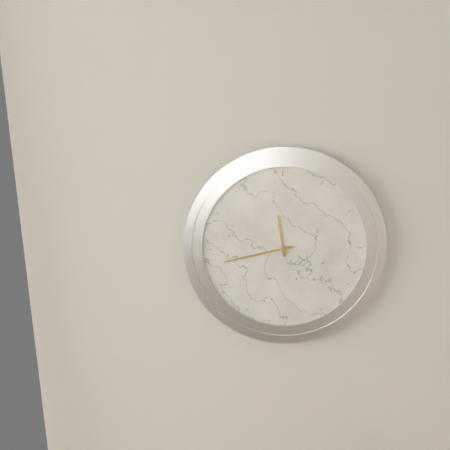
11:43
